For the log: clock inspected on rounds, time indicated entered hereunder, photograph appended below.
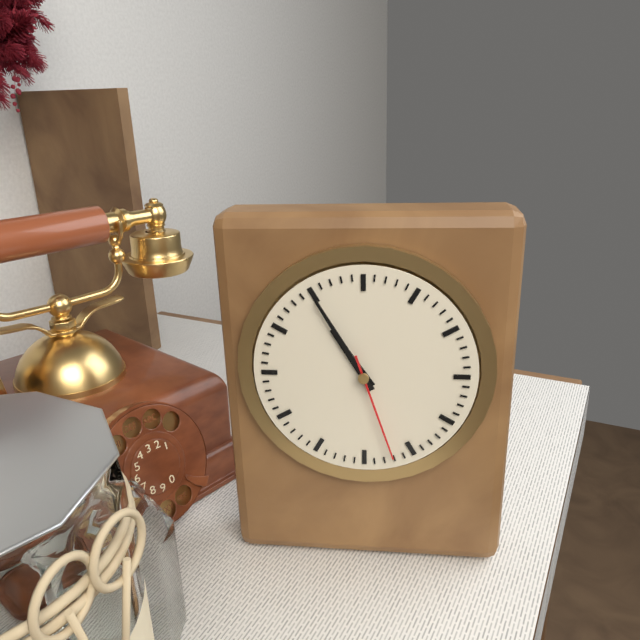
10:55:27
